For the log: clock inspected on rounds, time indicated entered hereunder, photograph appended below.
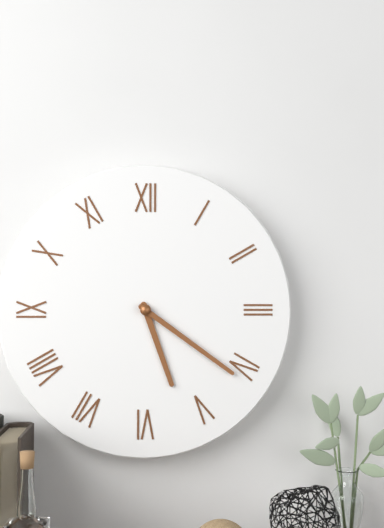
5:21
